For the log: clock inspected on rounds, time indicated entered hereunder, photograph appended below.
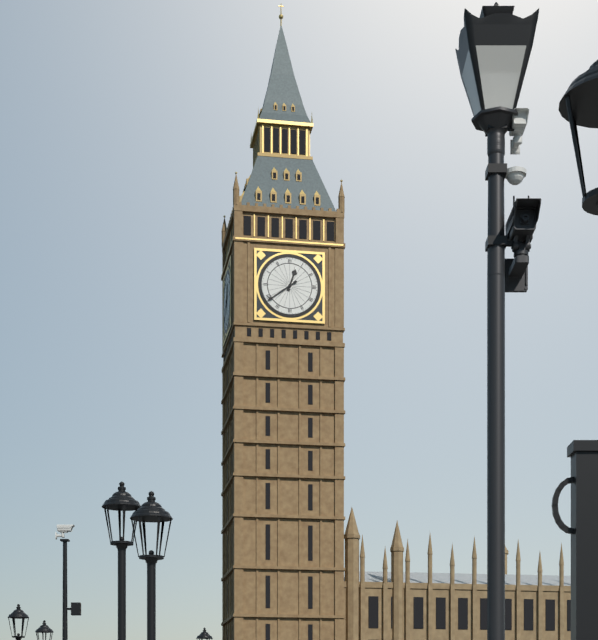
12:39
